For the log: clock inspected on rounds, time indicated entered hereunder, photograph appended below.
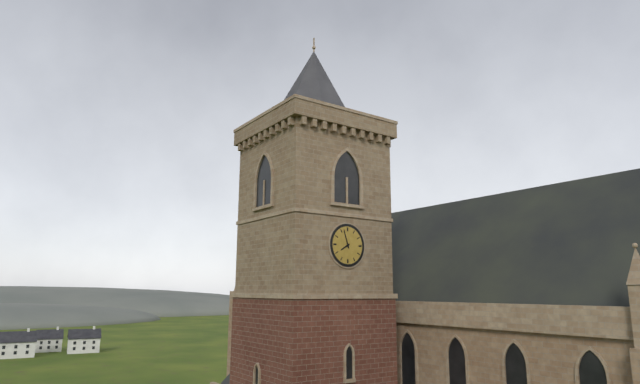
7:57
